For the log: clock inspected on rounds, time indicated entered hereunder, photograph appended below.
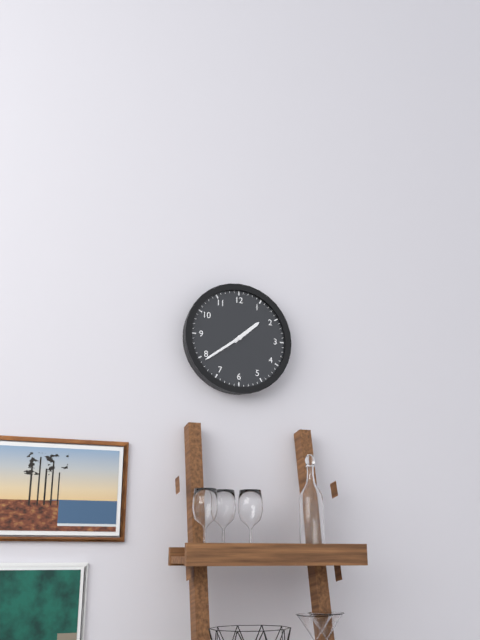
1:39
